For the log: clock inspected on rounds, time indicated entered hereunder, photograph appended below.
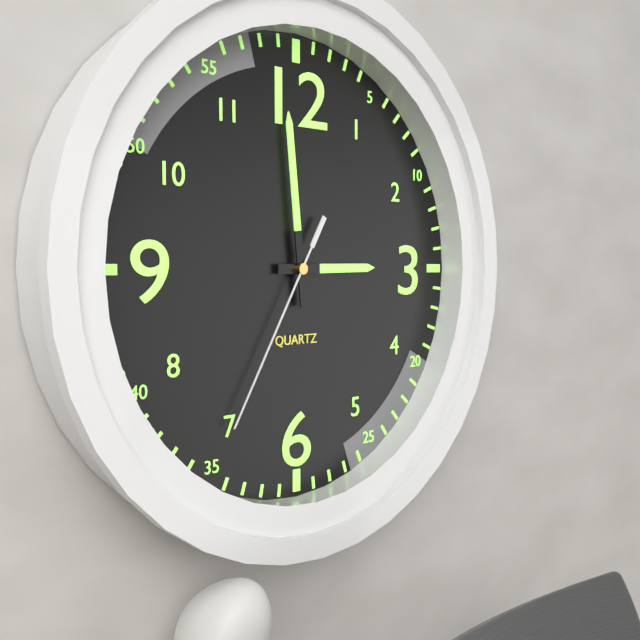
2:59:35
